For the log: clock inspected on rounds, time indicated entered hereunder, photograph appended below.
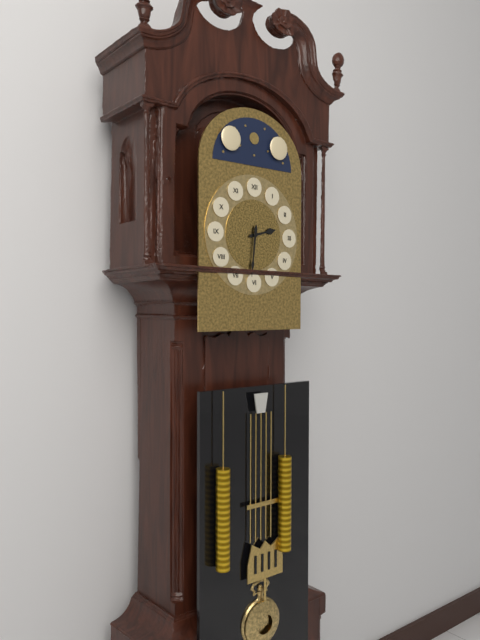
2:31
